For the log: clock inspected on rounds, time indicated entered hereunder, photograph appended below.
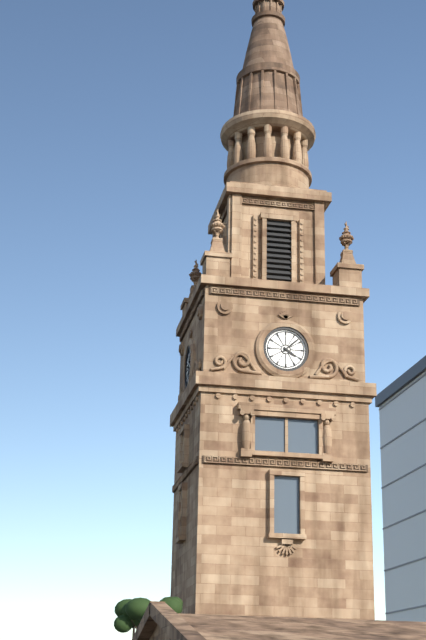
4:08
